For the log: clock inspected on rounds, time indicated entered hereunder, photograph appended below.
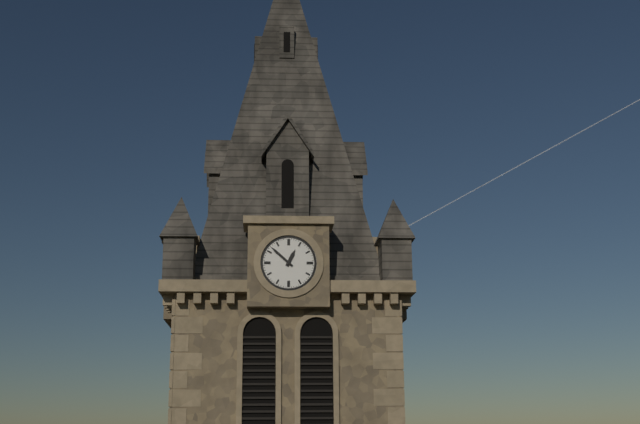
12:52
